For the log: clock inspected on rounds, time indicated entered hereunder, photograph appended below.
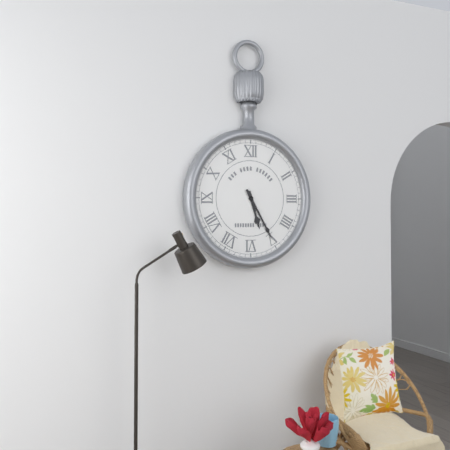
5:25
